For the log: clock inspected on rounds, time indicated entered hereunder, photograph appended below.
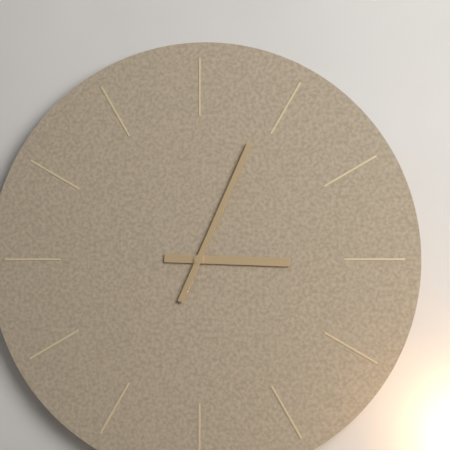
3:04
